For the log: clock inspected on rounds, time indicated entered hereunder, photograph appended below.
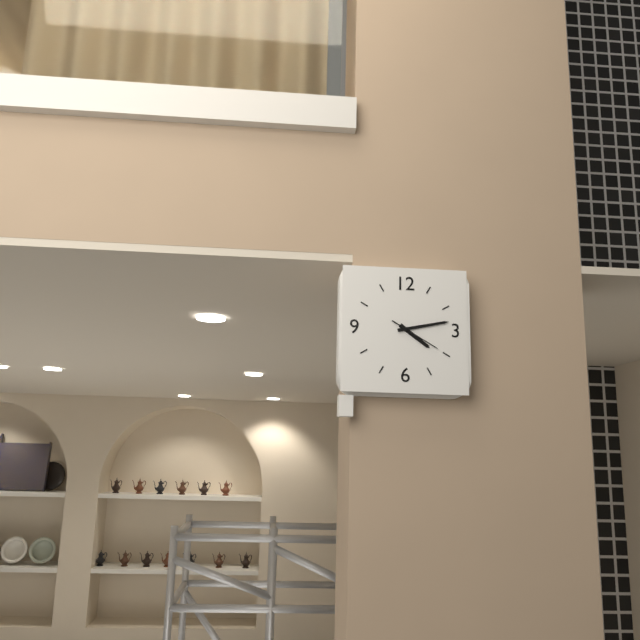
4:13
